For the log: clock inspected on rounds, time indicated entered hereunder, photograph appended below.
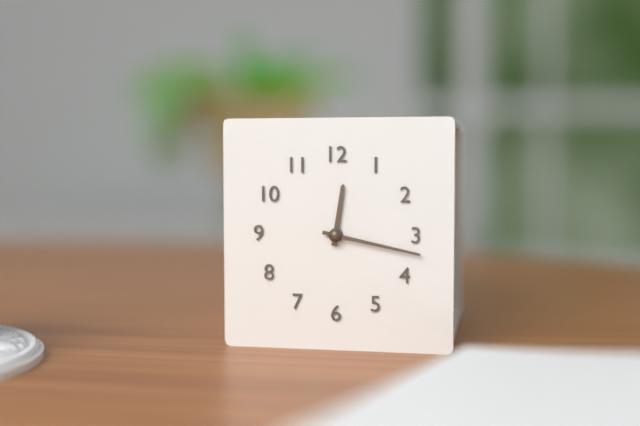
12:17
